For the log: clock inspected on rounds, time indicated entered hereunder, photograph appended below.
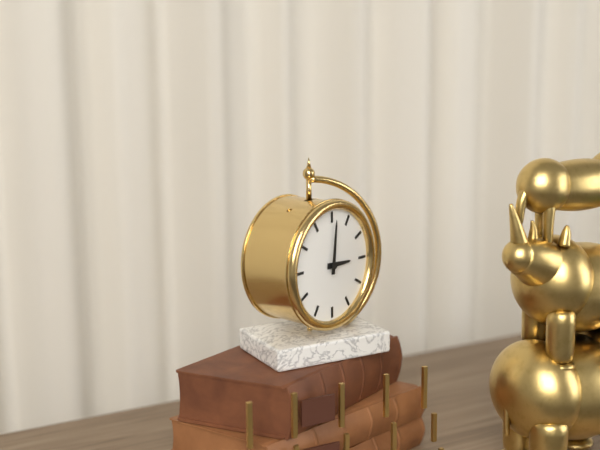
3:01
